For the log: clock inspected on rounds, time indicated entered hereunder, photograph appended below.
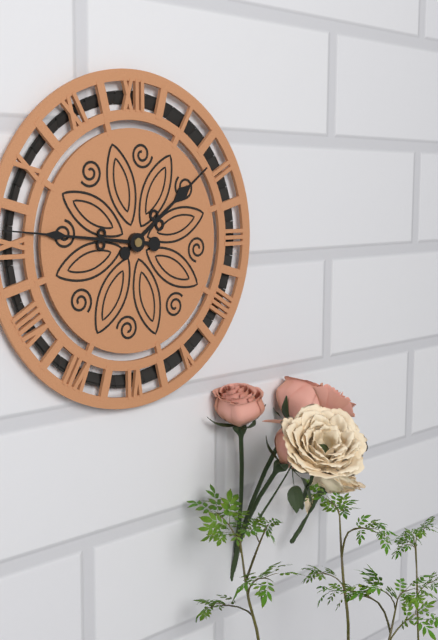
1:46
